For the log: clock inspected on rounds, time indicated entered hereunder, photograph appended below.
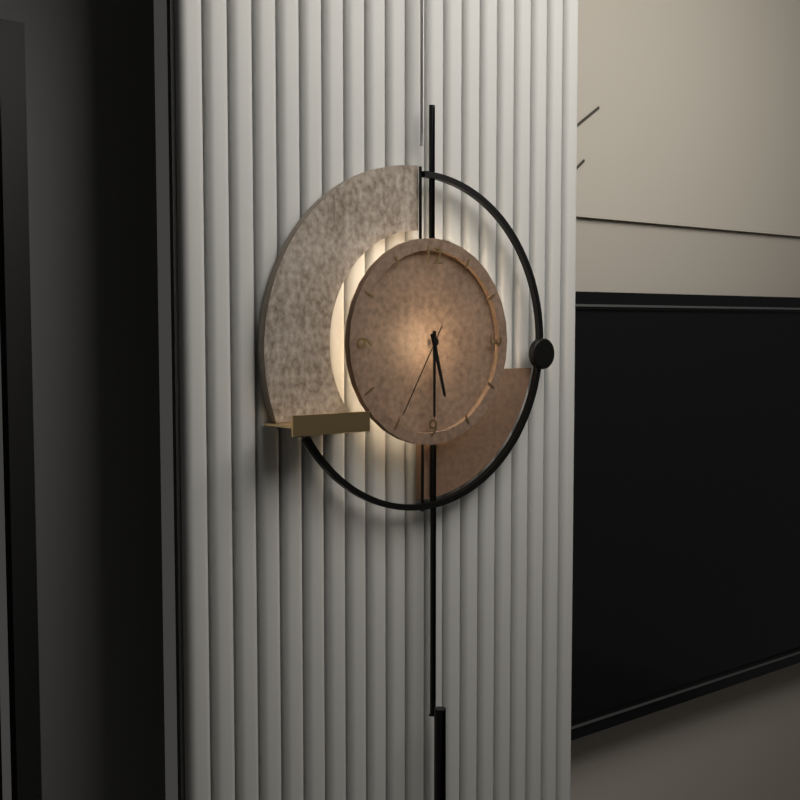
5:30:35
